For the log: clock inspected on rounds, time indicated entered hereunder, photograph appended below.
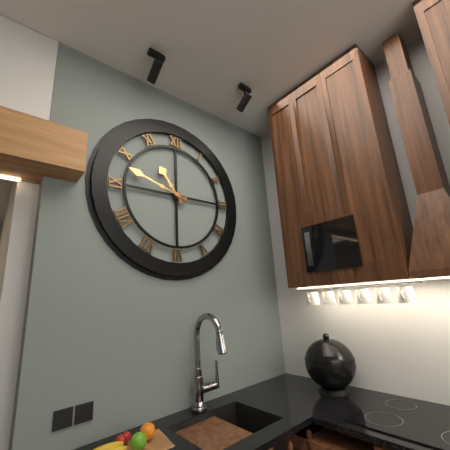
10:48
